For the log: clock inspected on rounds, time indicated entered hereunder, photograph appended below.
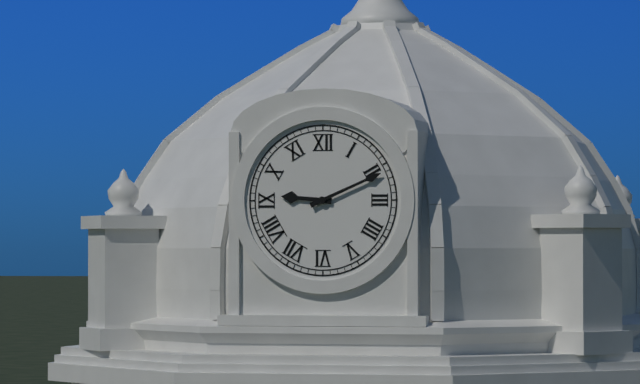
9:11
